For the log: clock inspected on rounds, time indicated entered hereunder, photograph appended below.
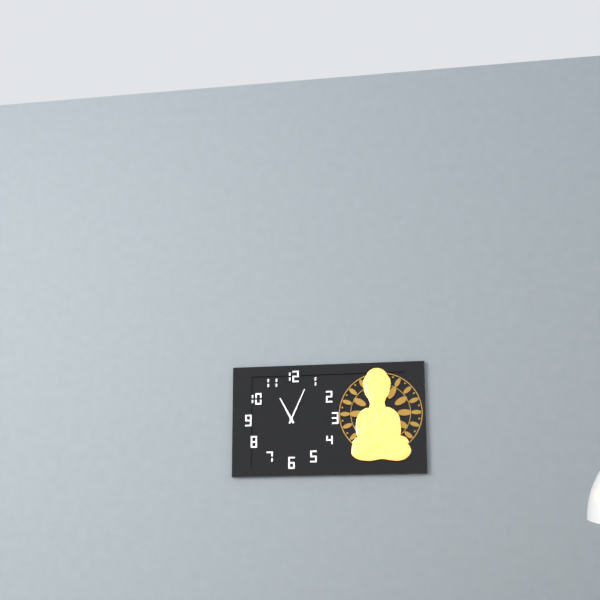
11:04
